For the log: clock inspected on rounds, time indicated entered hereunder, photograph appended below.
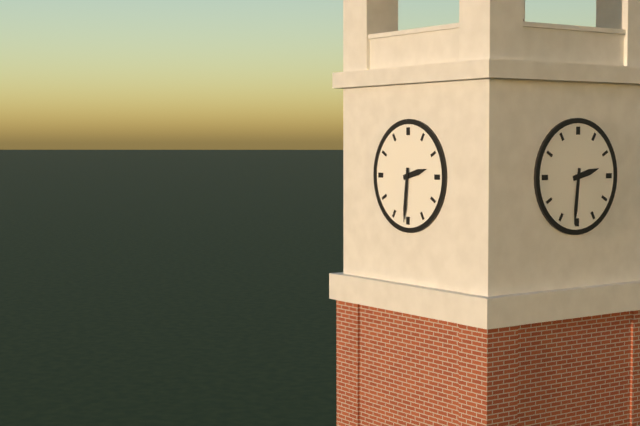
2:31
